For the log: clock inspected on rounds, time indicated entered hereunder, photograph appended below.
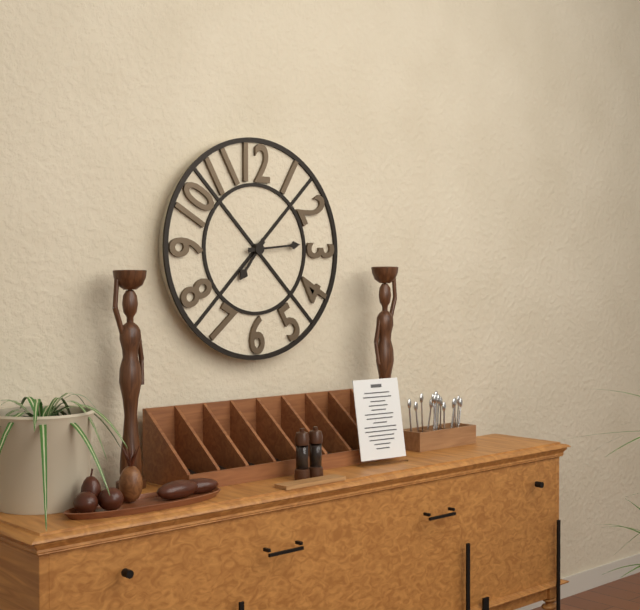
7:14
